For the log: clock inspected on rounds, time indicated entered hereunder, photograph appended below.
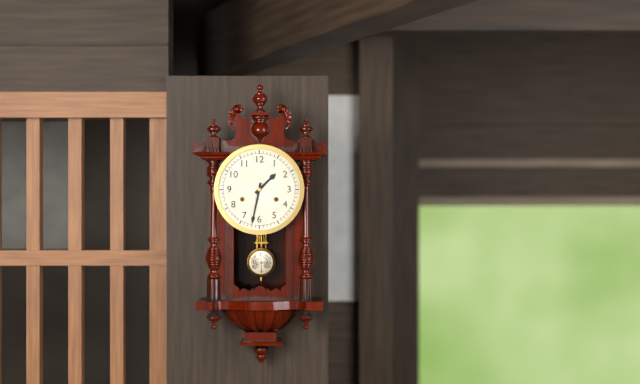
1:32
